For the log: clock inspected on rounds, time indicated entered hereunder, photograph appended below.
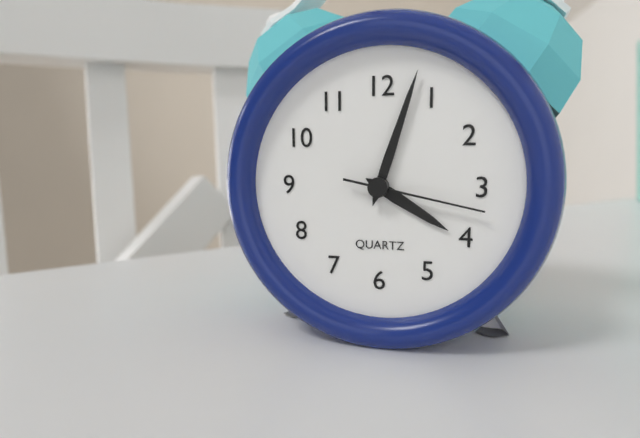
4:03:17
